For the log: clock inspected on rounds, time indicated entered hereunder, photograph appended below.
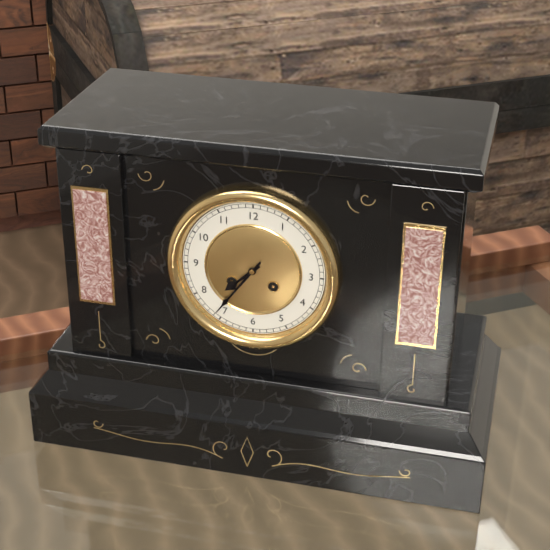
7:36
